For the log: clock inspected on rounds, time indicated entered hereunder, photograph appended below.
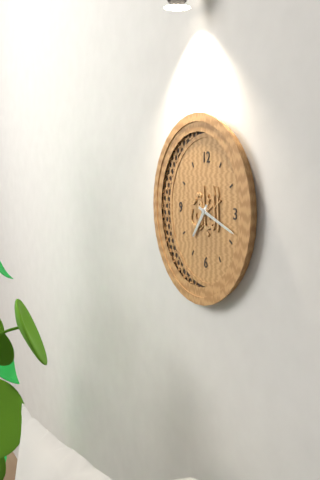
7:18
